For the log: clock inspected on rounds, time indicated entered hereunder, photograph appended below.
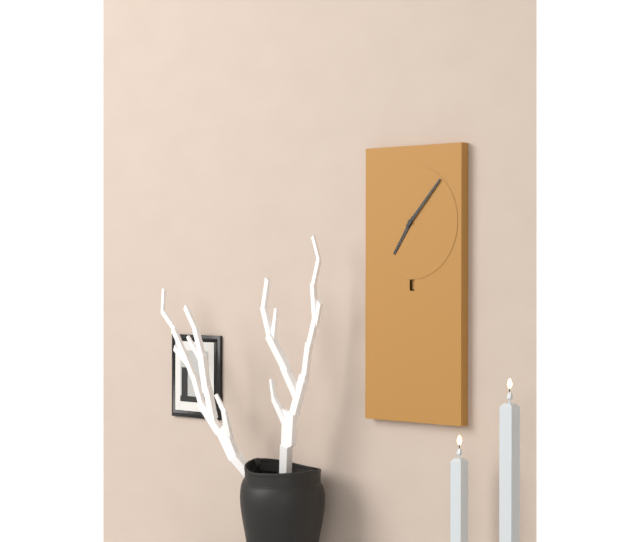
7:07
